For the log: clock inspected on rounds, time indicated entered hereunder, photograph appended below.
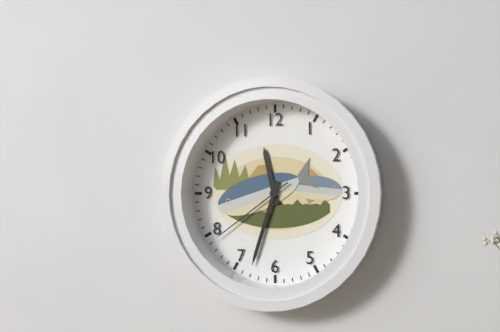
11:33:39
